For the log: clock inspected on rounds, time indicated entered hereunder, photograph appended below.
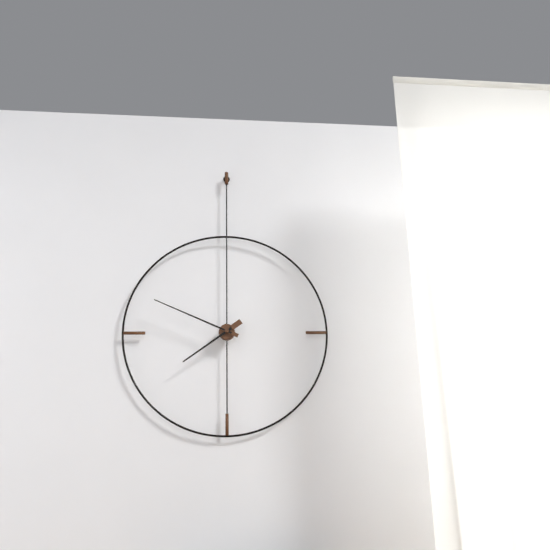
7:49
